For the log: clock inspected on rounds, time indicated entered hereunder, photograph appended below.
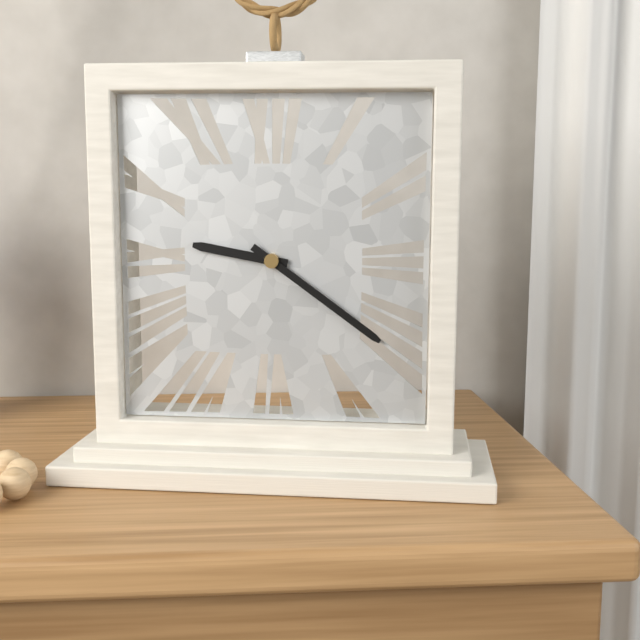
9:21
